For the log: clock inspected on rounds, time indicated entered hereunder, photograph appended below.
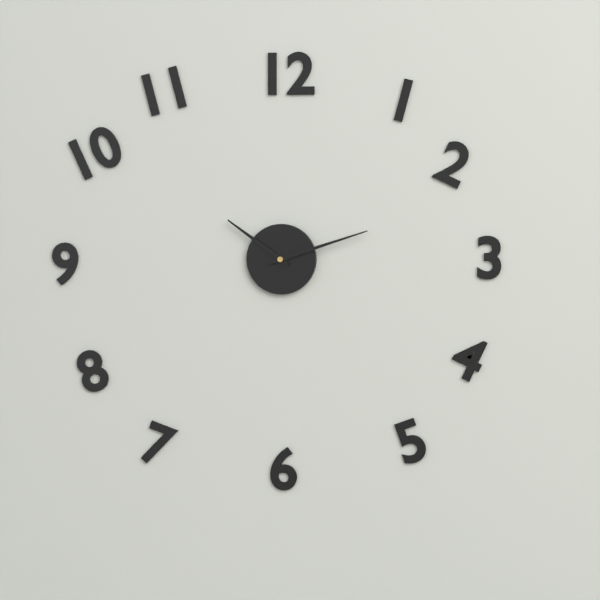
10:12
